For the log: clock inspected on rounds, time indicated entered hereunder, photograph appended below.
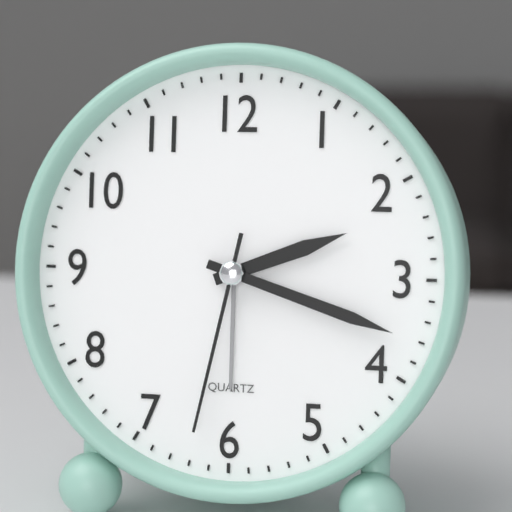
2:18:32
